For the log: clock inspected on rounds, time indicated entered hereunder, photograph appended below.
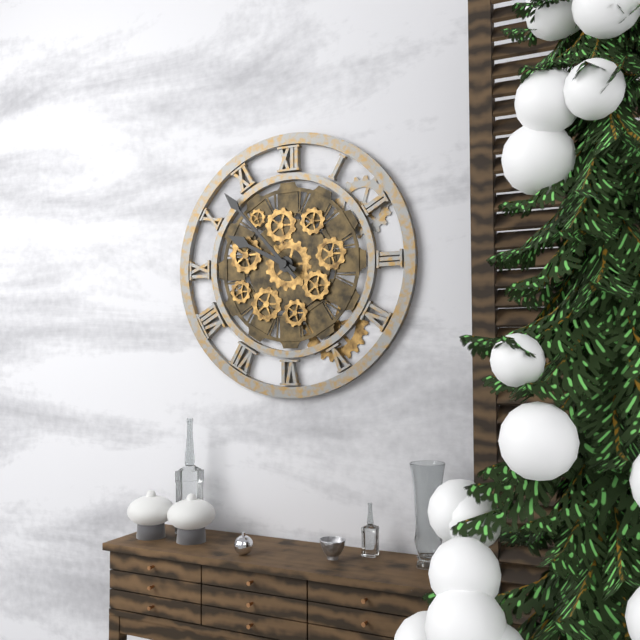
9:53
